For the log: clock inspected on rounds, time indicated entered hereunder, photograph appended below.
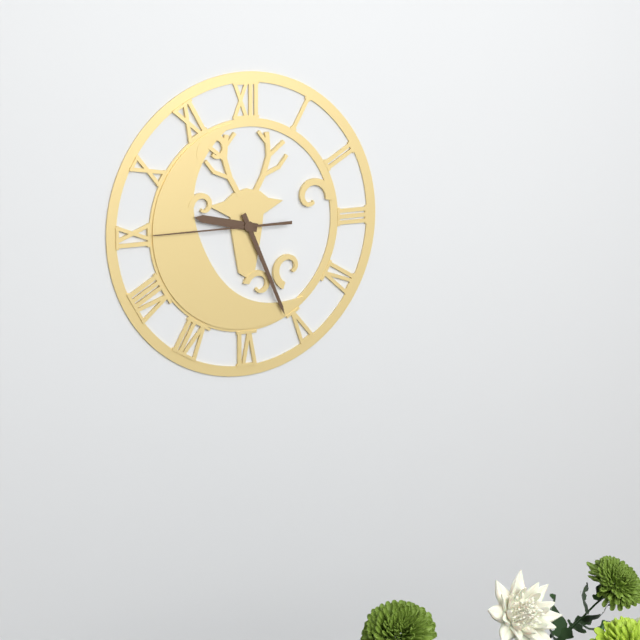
9:26:45
